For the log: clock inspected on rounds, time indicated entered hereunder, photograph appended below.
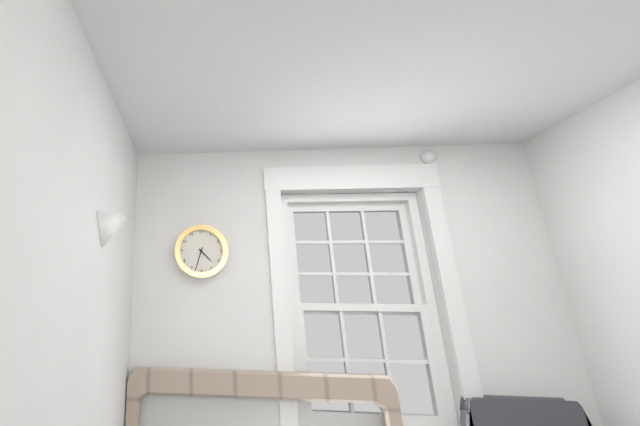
4:33
